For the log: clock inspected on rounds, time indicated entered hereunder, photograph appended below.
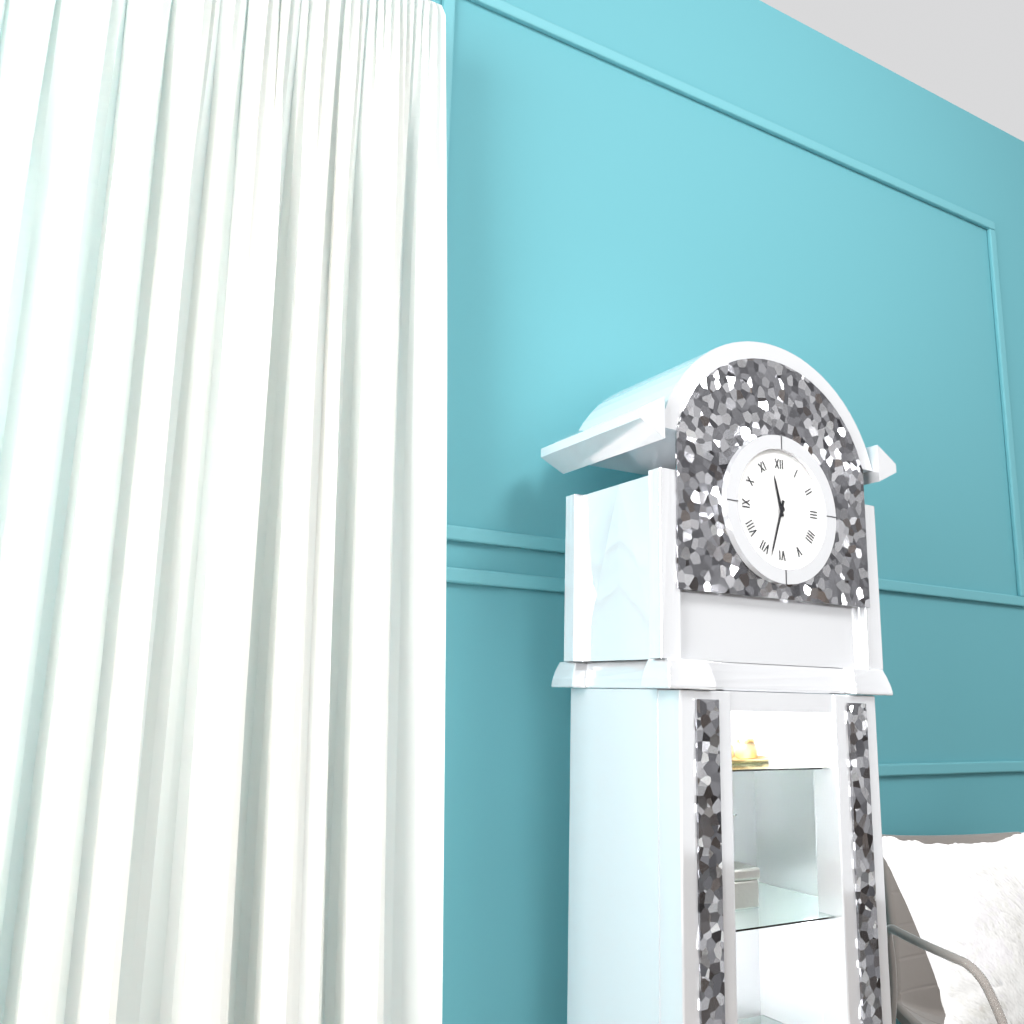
11:33
